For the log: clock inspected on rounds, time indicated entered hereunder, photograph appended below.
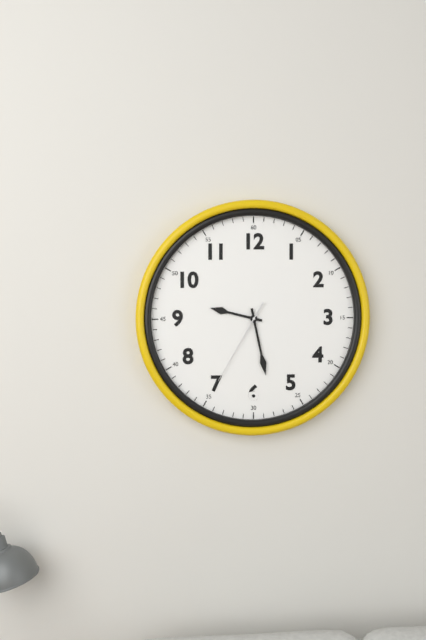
9:28:35
